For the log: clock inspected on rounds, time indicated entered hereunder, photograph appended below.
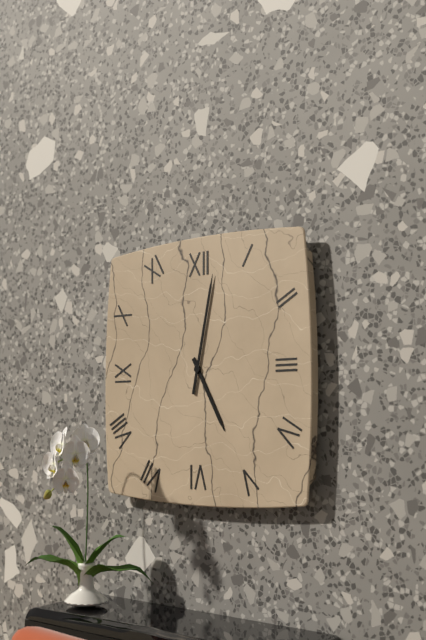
5:02
